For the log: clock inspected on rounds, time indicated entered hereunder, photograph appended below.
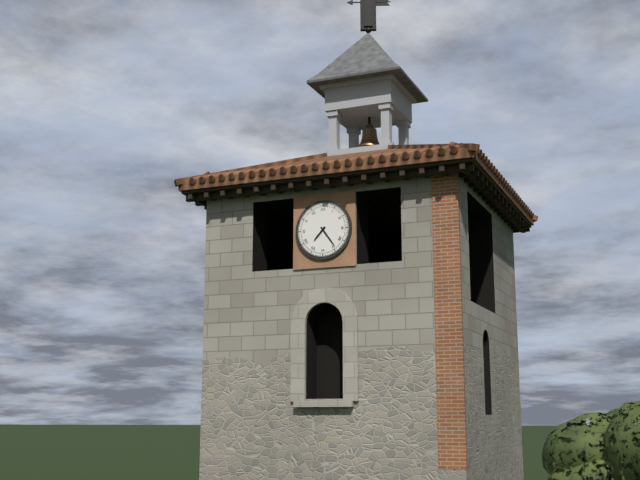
7:24
